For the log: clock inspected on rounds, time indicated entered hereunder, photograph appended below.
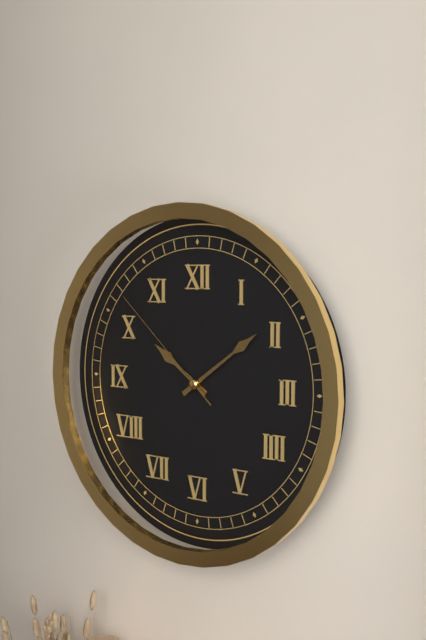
10:09:52
